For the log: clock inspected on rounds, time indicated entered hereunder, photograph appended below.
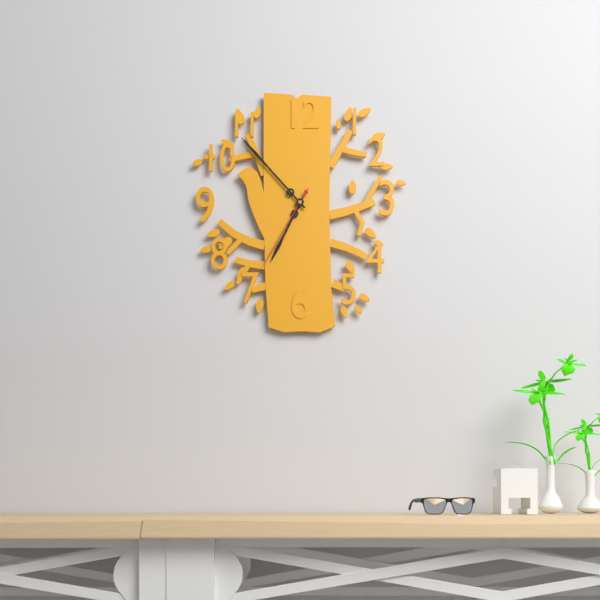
6:53:35
